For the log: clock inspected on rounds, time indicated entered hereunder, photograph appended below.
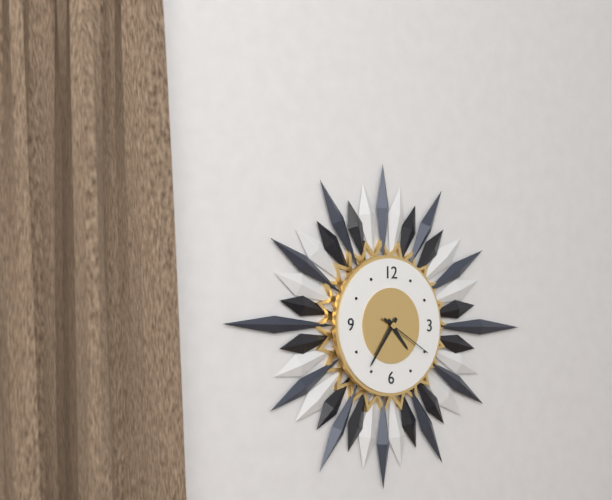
4:36:20
